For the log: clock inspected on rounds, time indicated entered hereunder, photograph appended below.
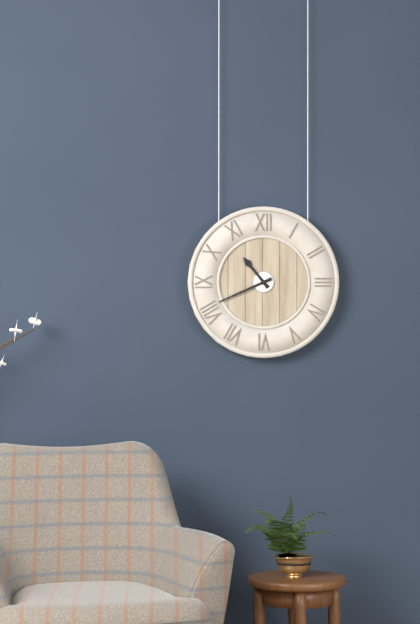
10:41
